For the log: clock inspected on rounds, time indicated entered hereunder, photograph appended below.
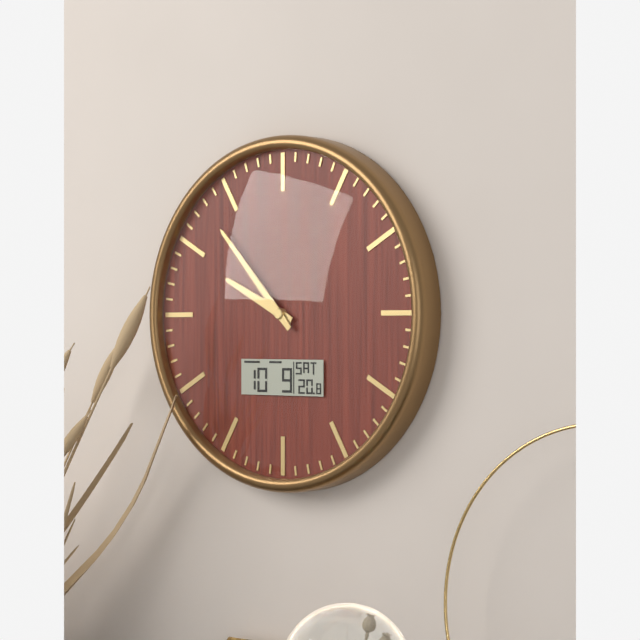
9:53
